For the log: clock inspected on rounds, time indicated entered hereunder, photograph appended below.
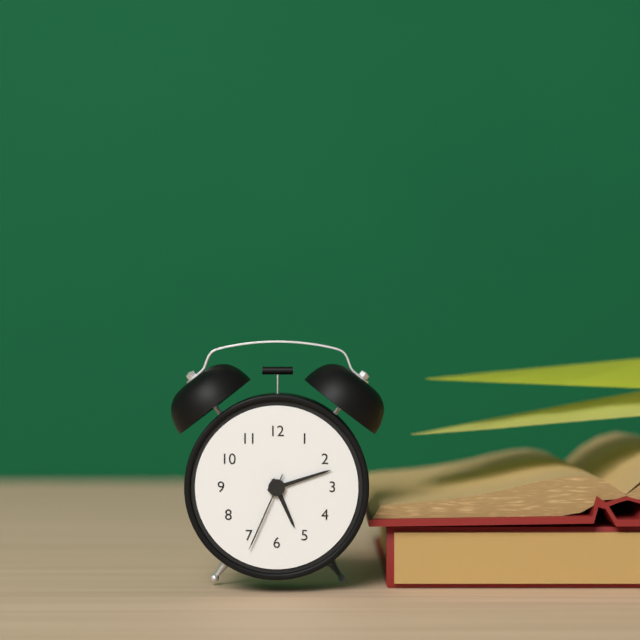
5:12:34
